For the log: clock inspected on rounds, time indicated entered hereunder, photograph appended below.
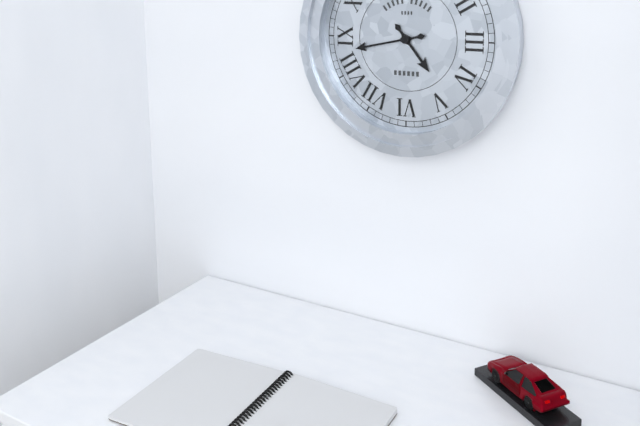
4:43
